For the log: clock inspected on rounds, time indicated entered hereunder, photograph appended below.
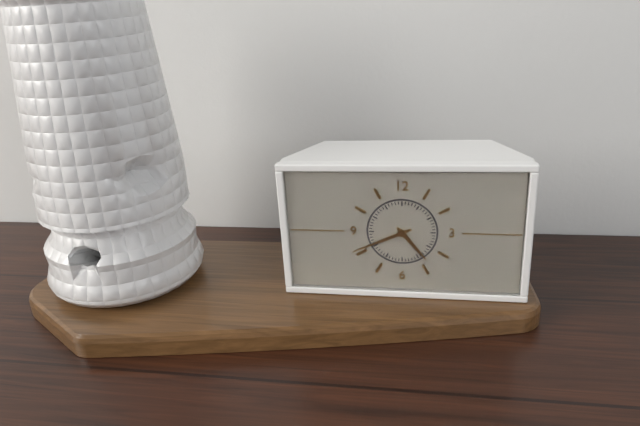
4:41
